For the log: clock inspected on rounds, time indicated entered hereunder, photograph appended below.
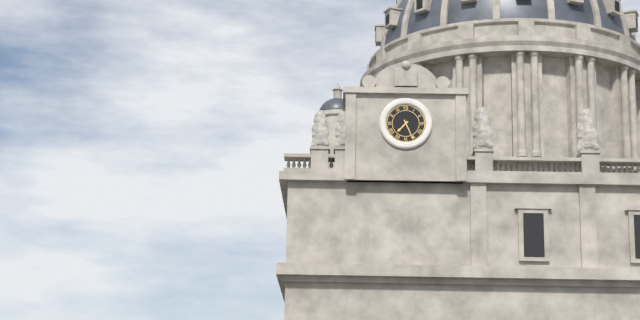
7:26
